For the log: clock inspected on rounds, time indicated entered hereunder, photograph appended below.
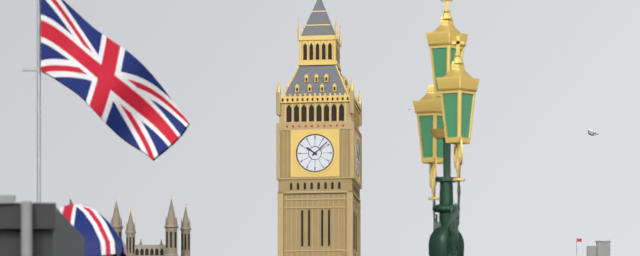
10:08
